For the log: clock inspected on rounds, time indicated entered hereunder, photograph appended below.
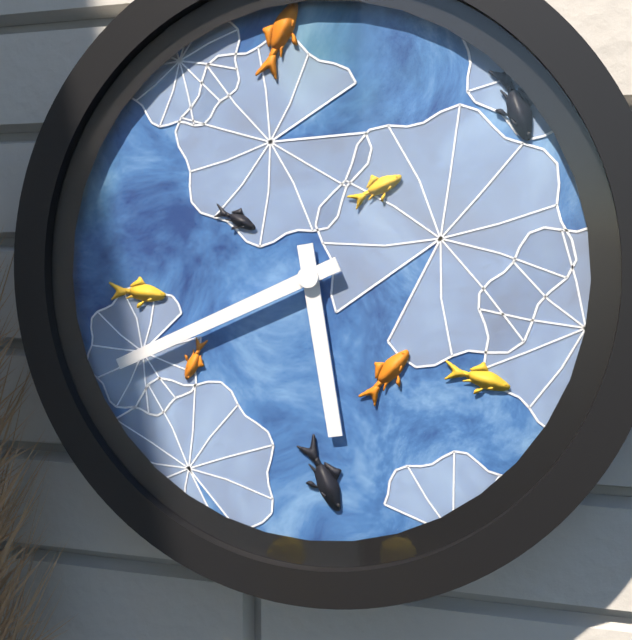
5:41
